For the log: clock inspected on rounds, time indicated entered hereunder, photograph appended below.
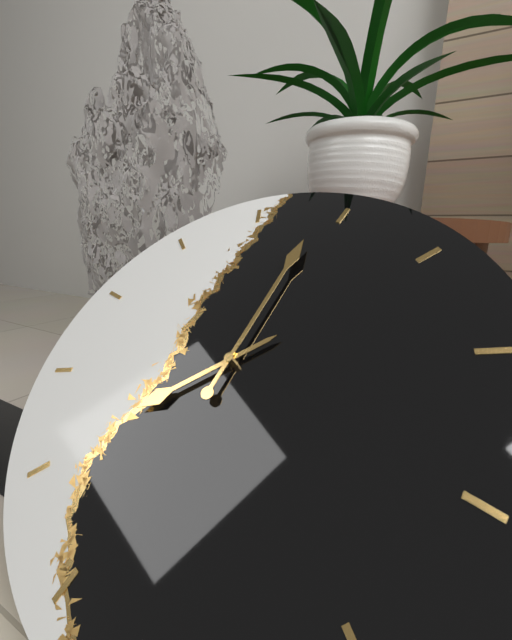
8:04
